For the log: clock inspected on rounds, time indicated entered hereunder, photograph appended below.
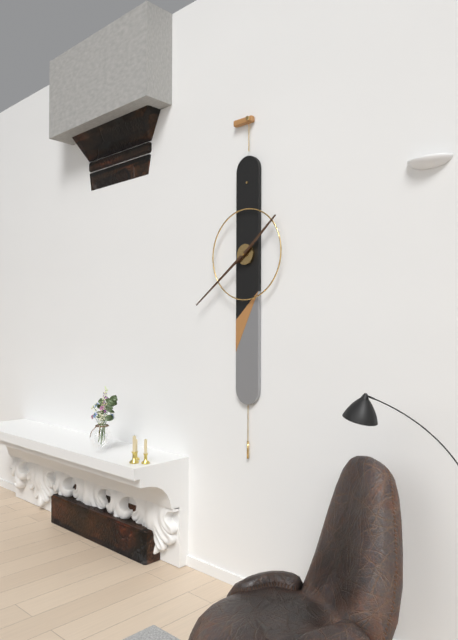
1:39
